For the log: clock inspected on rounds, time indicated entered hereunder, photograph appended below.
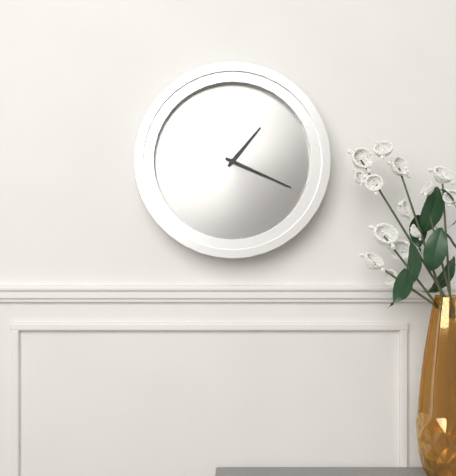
1:19
